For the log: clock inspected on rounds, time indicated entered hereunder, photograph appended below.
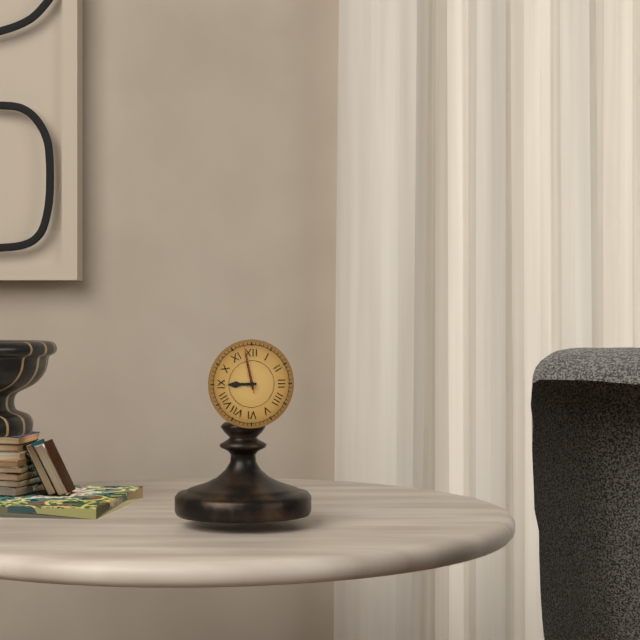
8:58:58
